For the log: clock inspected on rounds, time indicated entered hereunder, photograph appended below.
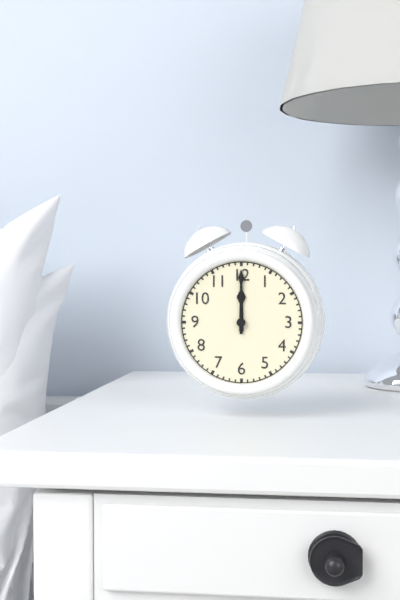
12:00
